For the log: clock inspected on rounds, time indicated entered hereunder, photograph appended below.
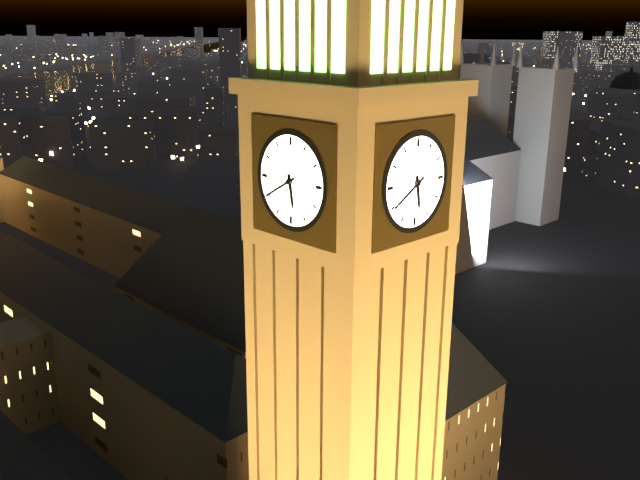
5:40
